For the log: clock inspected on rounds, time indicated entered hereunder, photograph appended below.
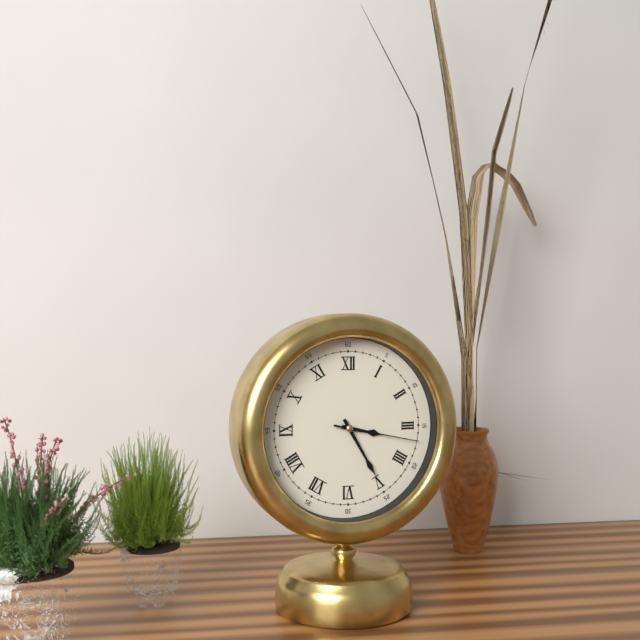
3:25:17
